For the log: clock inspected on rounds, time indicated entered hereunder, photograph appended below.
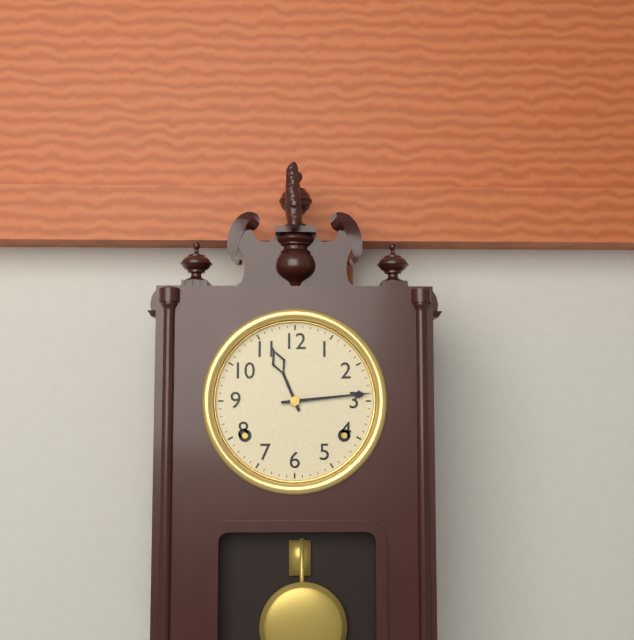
11:14
